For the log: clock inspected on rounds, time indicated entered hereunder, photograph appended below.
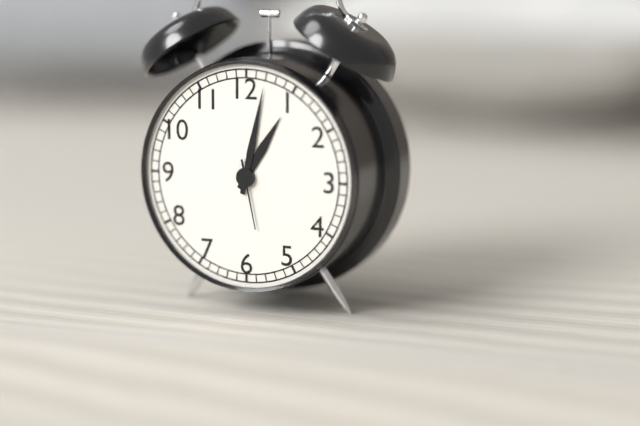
1:02:28
